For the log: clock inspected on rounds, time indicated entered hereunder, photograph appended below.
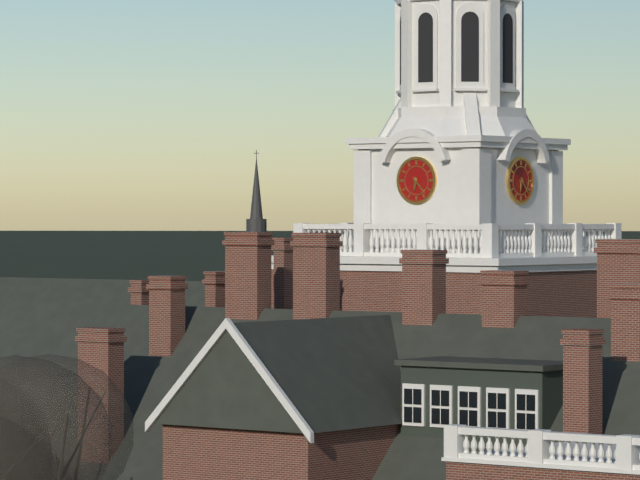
6:23
